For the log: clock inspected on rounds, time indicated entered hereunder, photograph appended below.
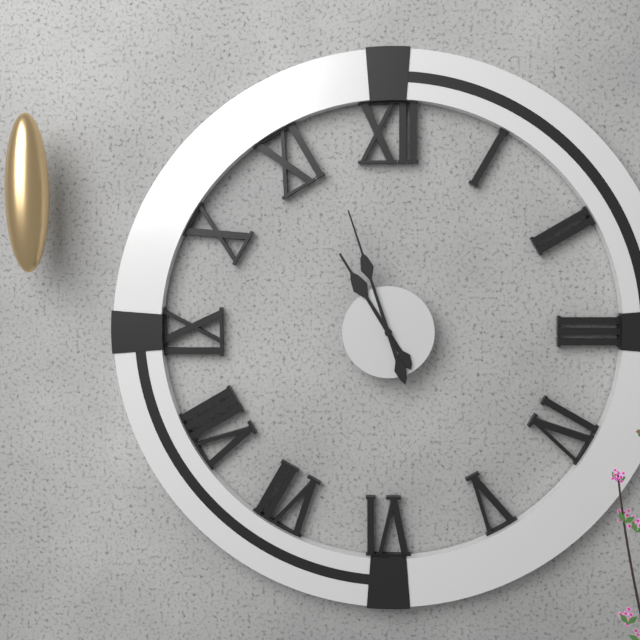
10:57
